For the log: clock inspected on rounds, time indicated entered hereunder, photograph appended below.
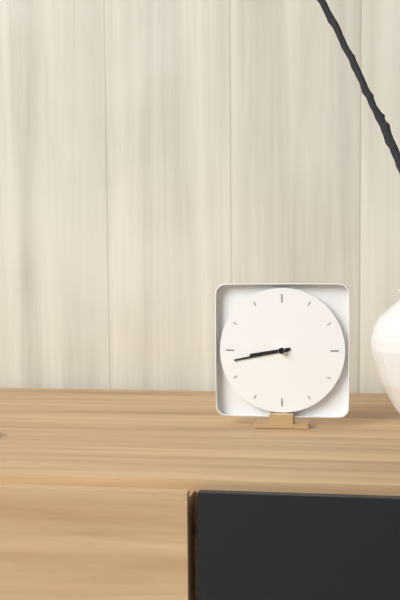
8:43
